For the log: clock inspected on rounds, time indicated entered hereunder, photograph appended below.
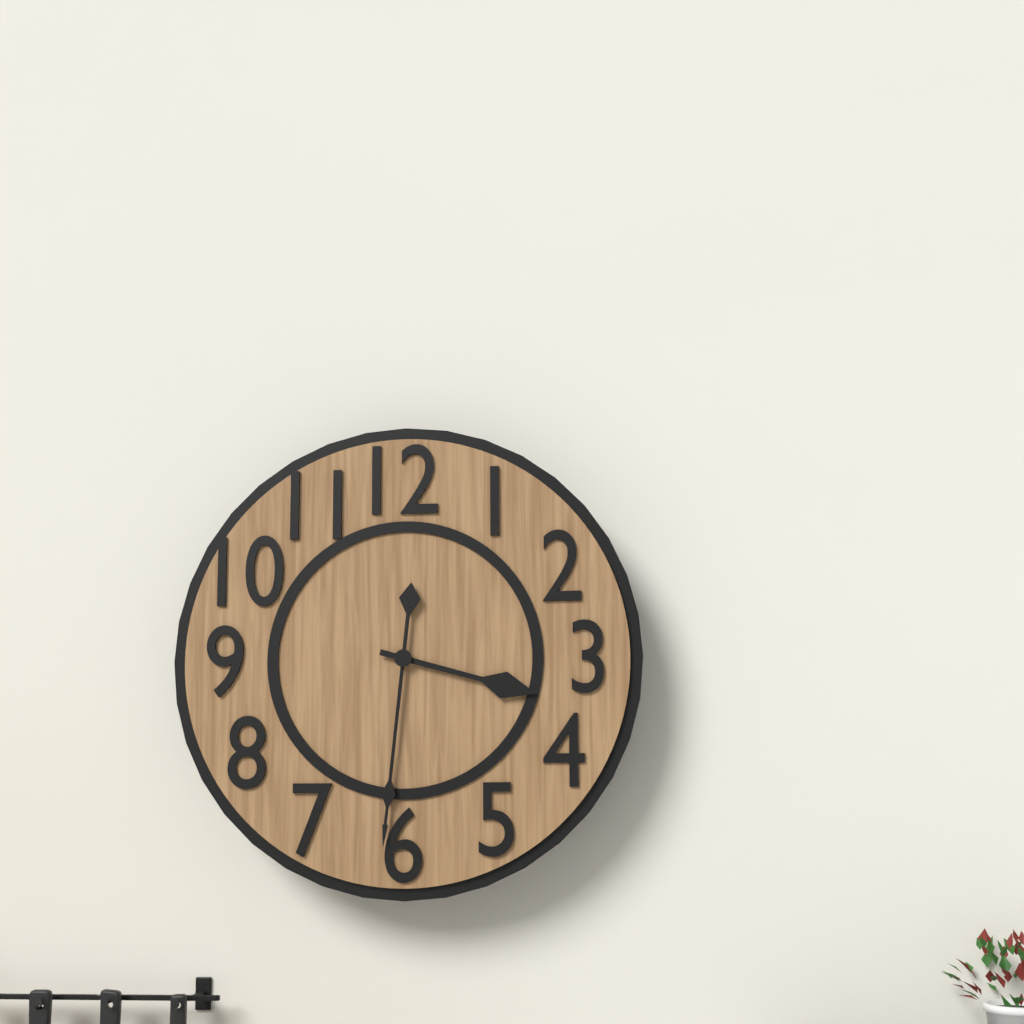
3:31
